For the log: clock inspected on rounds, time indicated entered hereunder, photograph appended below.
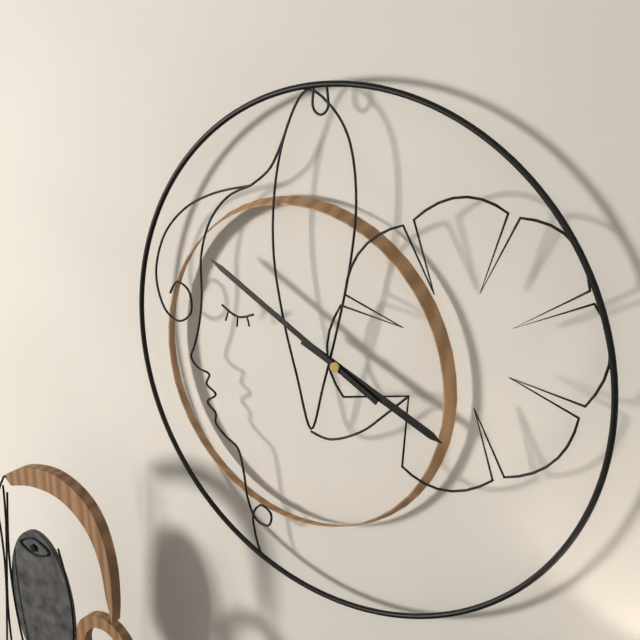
3:50
